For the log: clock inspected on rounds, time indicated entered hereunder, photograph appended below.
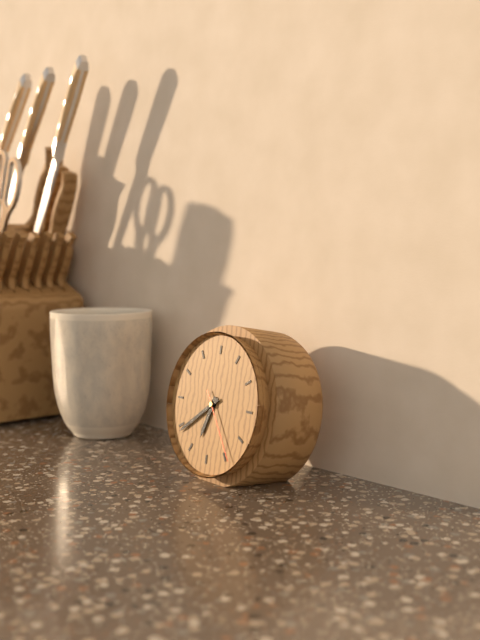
6:39:24
